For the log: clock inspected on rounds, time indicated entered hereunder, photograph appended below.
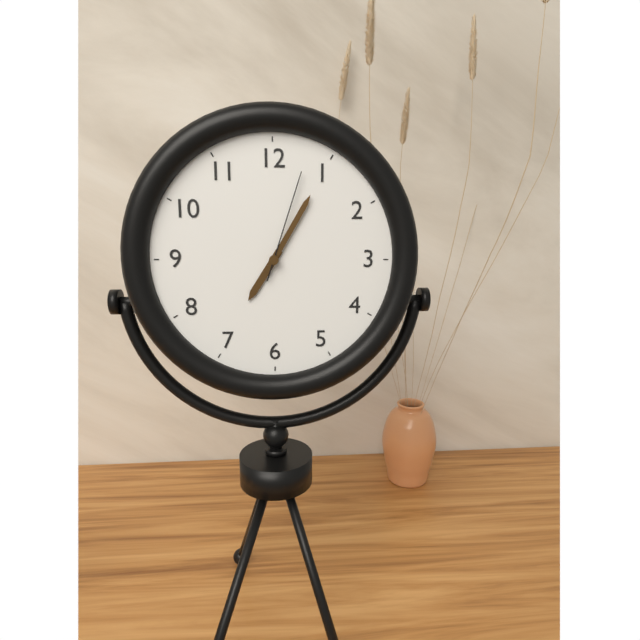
7:05:03
